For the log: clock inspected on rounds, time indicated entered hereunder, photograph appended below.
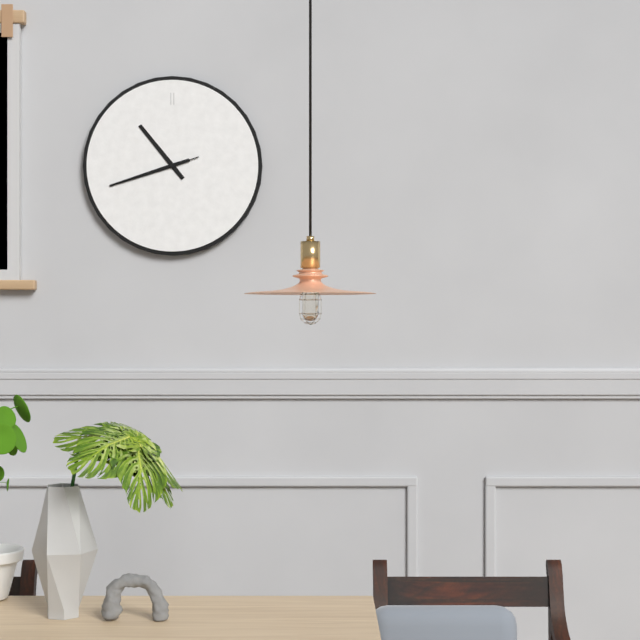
10:42:42
